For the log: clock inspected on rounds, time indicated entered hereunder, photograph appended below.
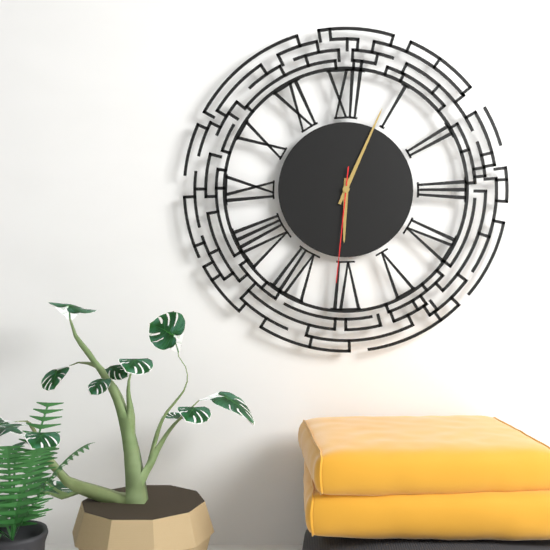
6:04:31
